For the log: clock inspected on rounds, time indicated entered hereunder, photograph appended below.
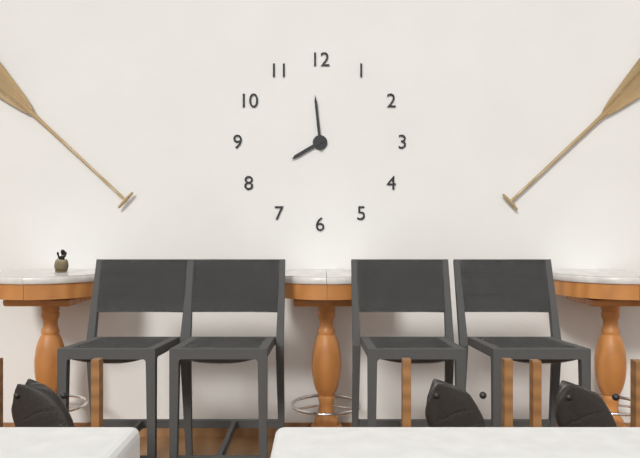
7:59
